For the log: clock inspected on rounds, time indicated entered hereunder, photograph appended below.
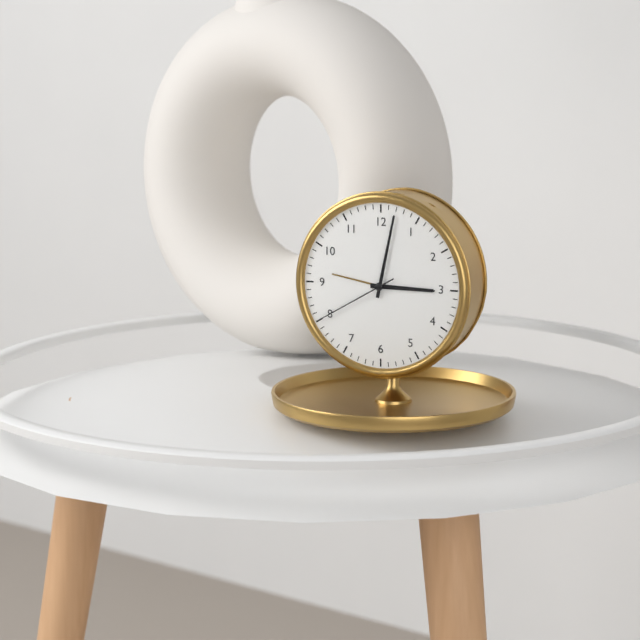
3:02:40
